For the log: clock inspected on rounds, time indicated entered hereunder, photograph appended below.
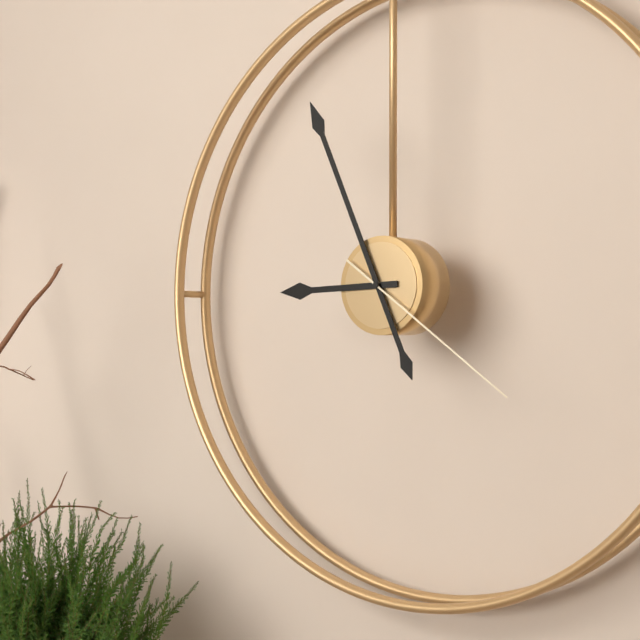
8:56:21
